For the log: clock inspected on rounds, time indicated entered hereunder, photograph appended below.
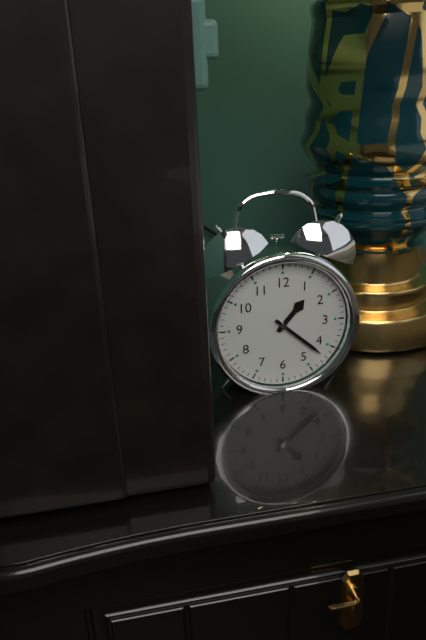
1:22
